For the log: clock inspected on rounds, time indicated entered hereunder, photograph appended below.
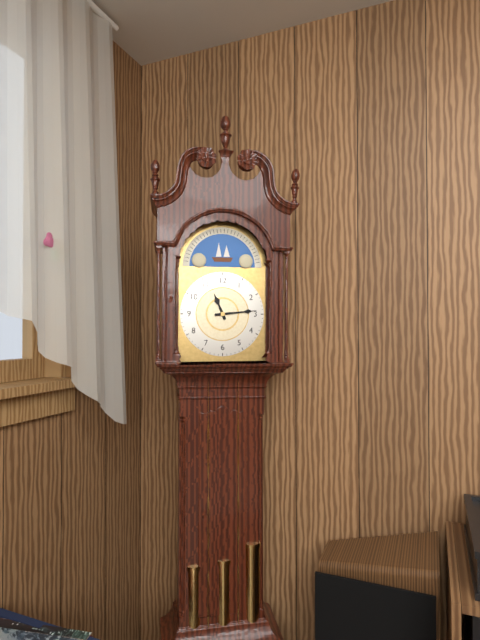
11:14
